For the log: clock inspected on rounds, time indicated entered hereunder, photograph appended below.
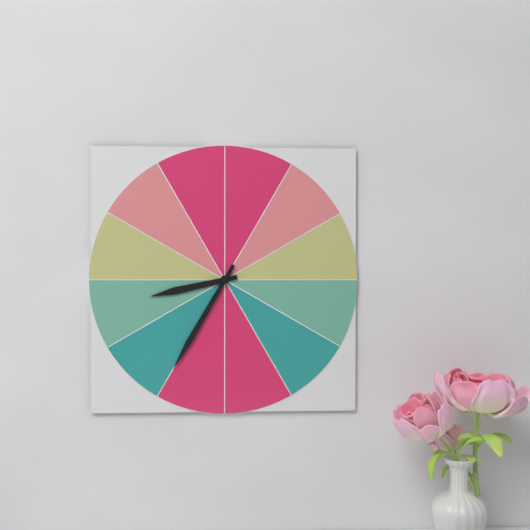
8:35
